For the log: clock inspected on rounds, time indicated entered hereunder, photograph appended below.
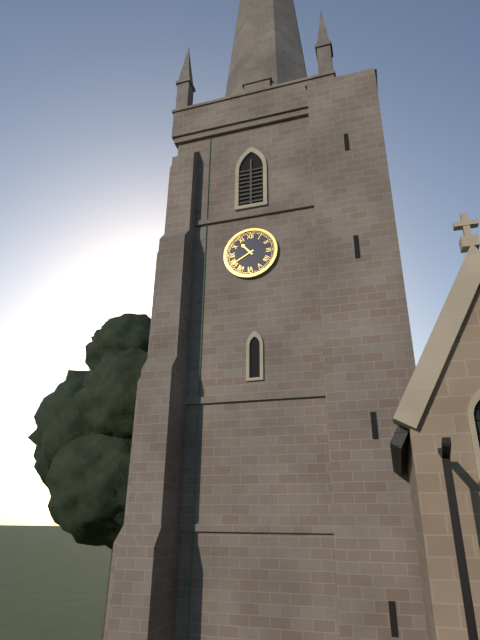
10:40
